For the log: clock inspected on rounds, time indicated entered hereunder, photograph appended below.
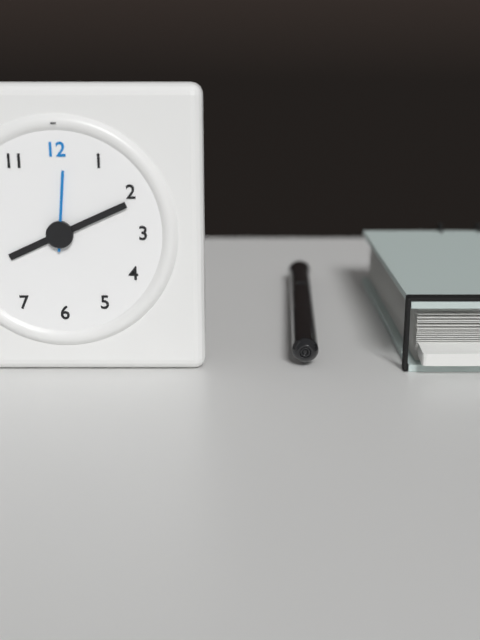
8:11:01
